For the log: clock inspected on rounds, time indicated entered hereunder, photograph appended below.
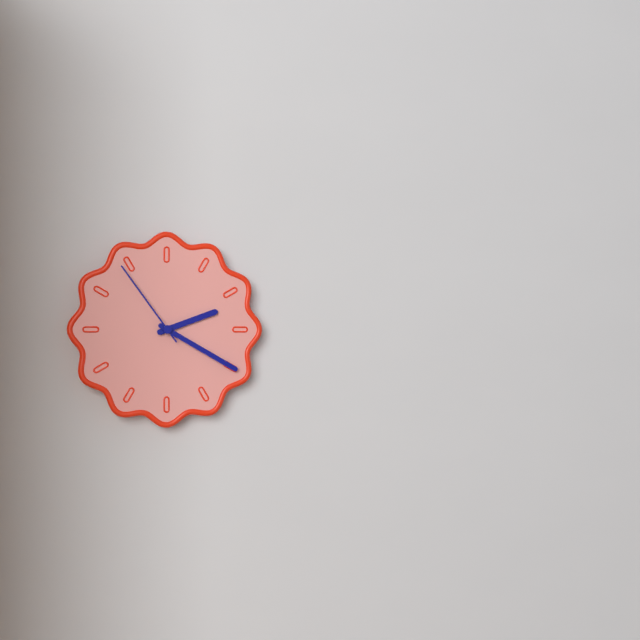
2:20:54
